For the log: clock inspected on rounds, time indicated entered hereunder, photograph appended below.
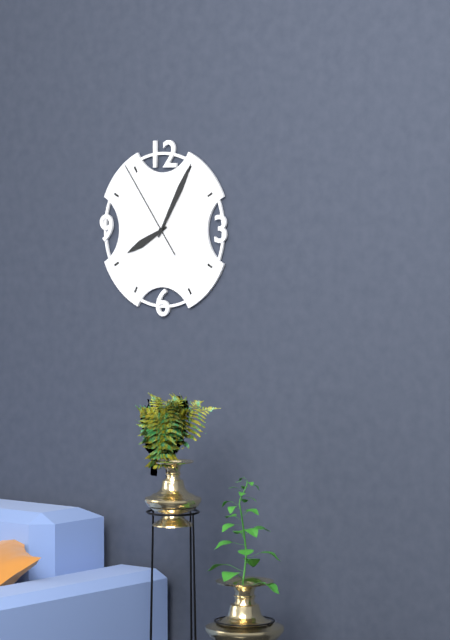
8:05:54
